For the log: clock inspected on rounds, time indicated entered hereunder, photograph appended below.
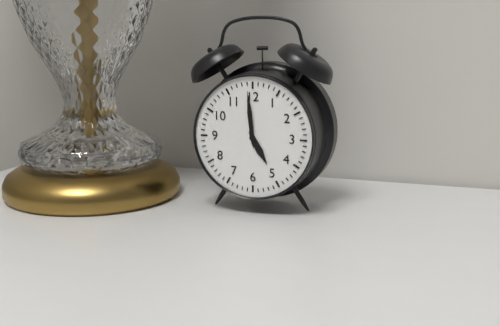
4:59
